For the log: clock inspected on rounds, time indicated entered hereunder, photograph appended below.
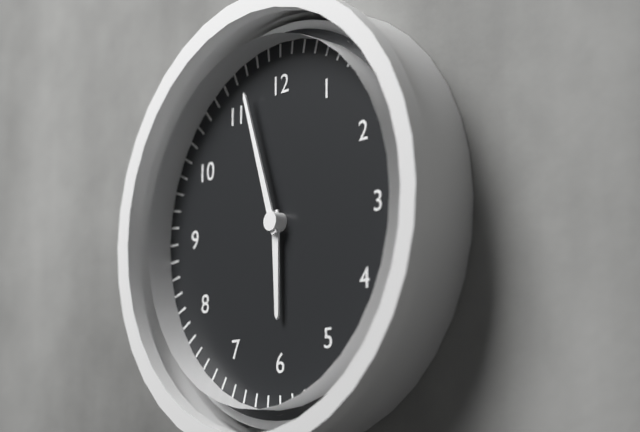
5:57
